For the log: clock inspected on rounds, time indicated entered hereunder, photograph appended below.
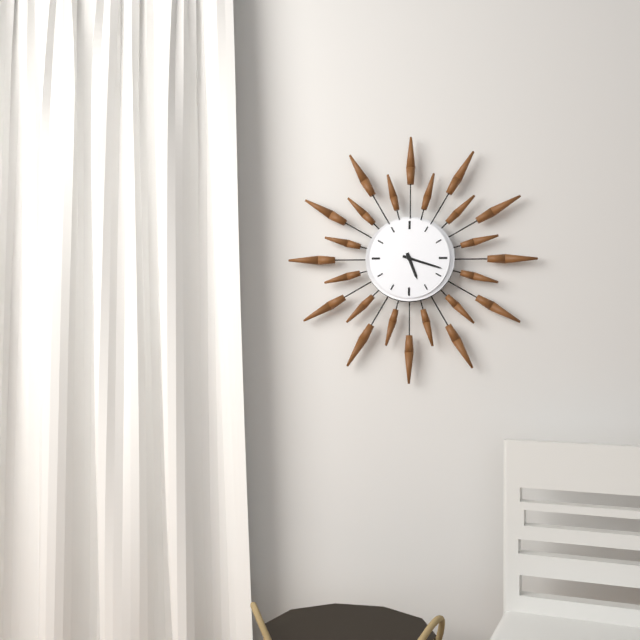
5:18
